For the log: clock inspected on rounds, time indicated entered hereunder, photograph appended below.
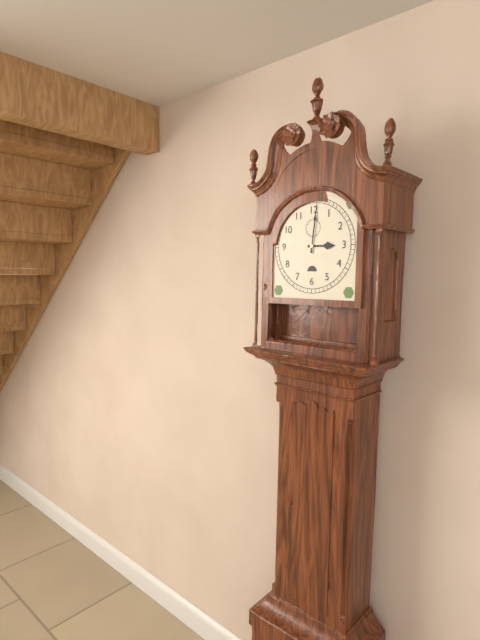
3:01
